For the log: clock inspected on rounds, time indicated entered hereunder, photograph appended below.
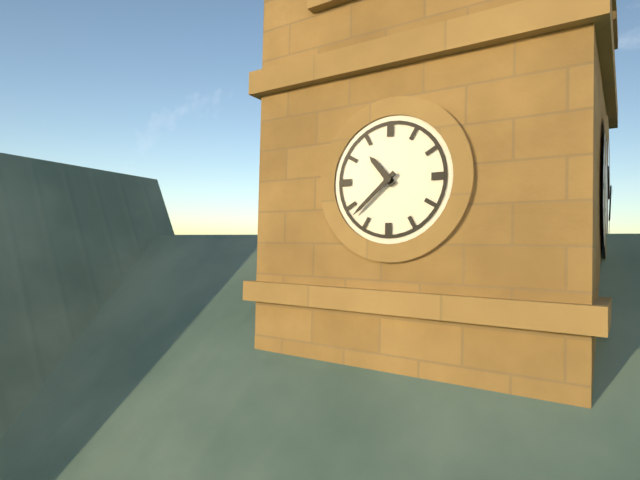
10:38
